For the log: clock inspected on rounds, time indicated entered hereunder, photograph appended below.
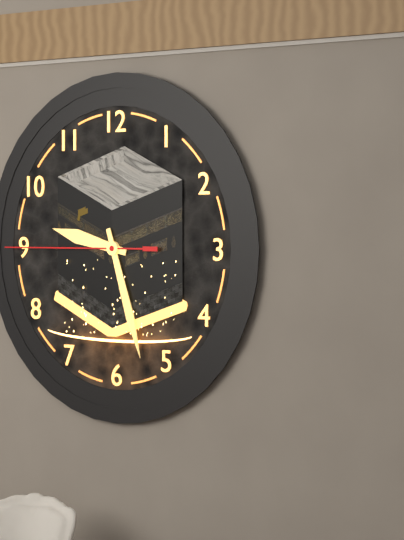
9:27:45
